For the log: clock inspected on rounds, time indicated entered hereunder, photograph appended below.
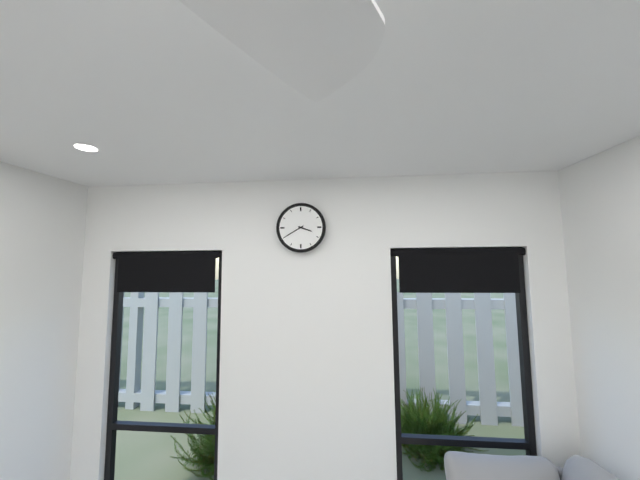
3:40
